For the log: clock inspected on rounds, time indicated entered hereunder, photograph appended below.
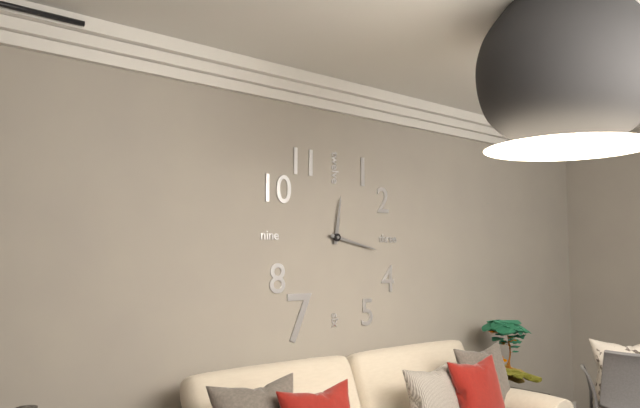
12:17
